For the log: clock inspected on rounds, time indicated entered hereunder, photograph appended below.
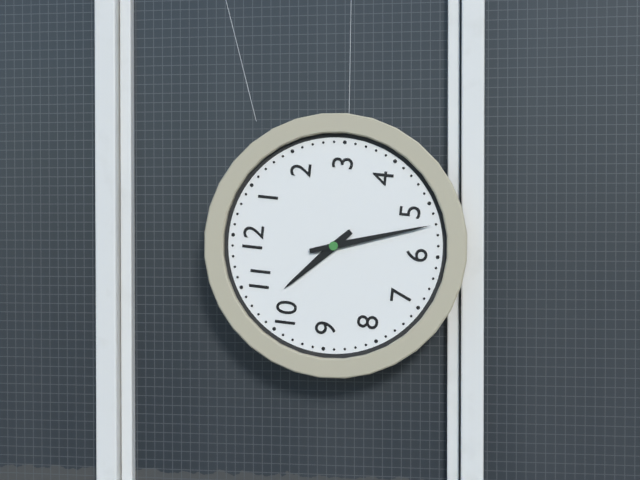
10:27
